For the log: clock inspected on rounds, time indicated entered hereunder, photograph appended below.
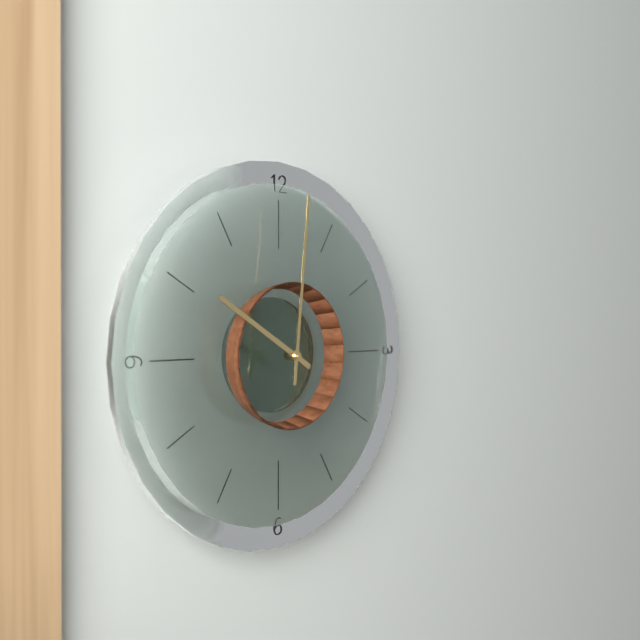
10:01
